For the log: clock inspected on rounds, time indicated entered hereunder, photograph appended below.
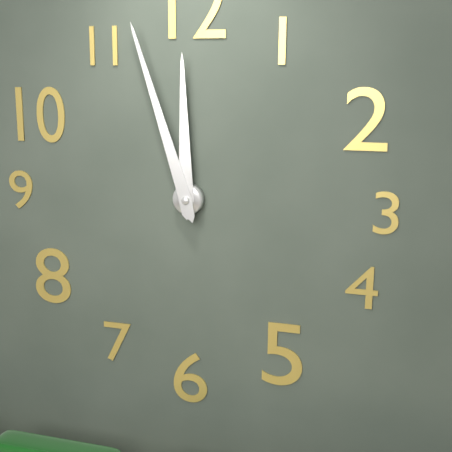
11:57
